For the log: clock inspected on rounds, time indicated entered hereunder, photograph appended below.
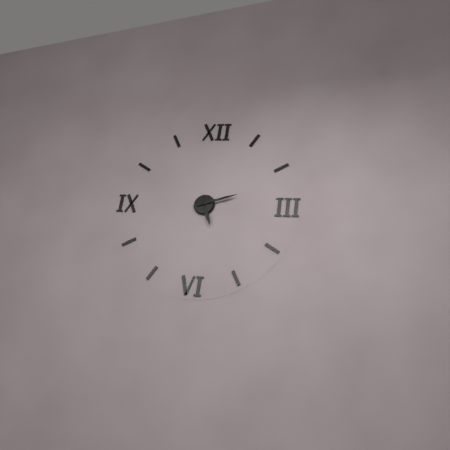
5:12
